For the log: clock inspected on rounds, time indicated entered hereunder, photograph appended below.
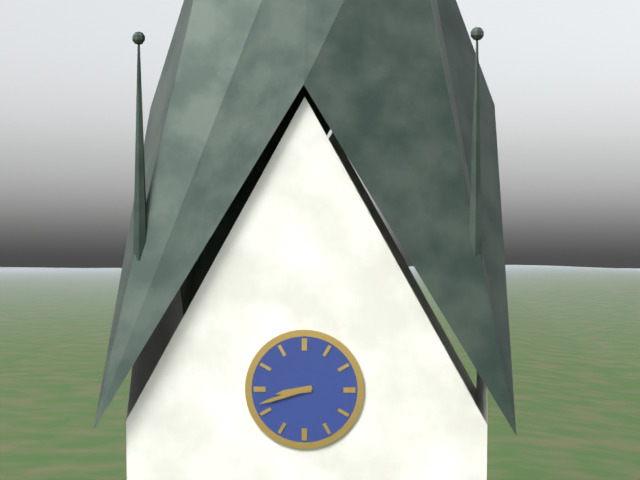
8:42
